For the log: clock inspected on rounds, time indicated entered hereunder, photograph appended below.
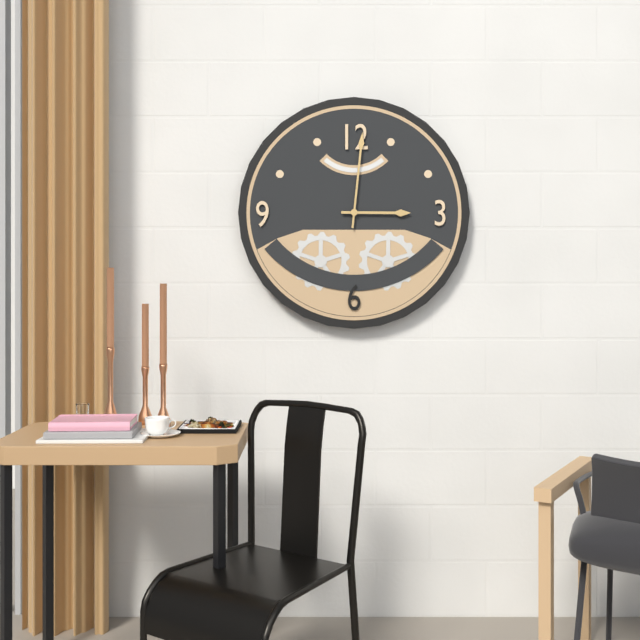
3:01
